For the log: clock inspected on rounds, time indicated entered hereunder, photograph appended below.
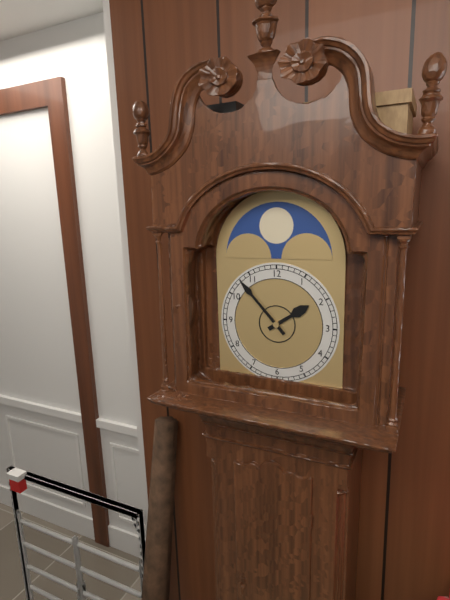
1:53
